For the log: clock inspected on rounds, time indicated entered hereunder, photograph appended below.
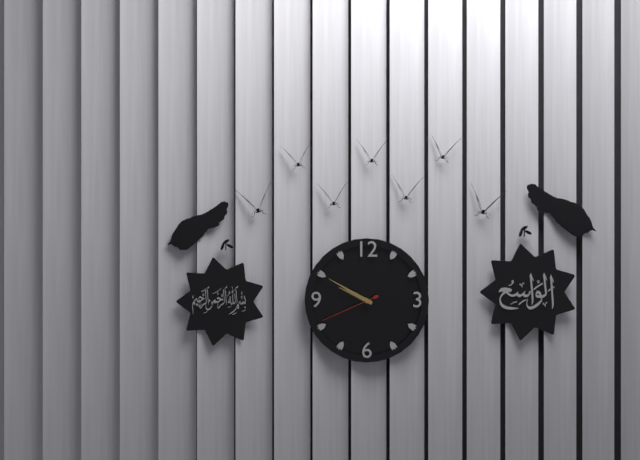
9:50:41
